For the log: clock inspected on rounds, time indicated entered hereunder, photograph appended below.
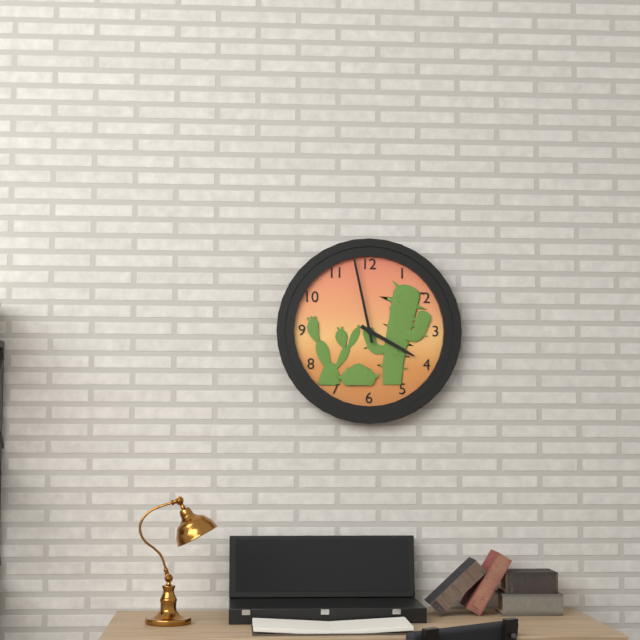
3:58
